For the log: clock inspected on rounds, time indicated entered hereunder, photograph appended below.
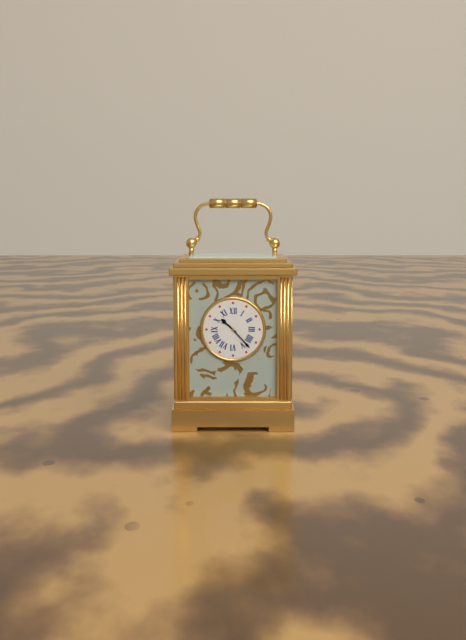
10:23
